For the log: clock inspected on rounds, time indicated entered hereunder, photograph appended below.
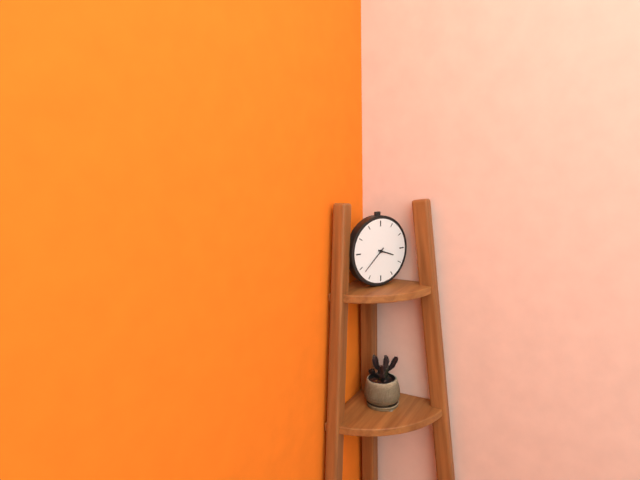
3:38
